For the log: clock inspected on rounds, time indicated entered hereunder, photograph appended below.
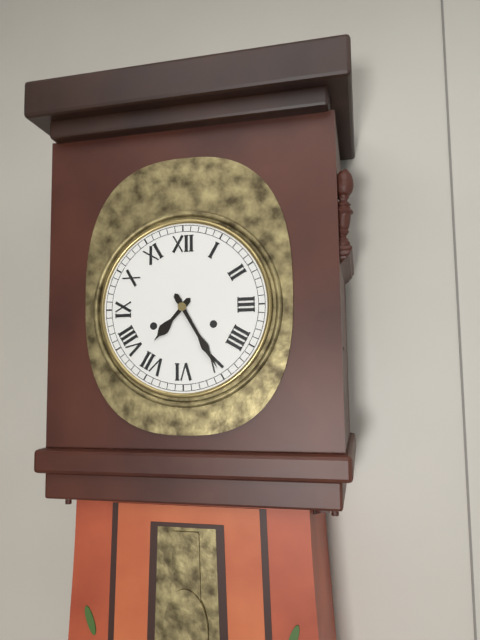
7:25
